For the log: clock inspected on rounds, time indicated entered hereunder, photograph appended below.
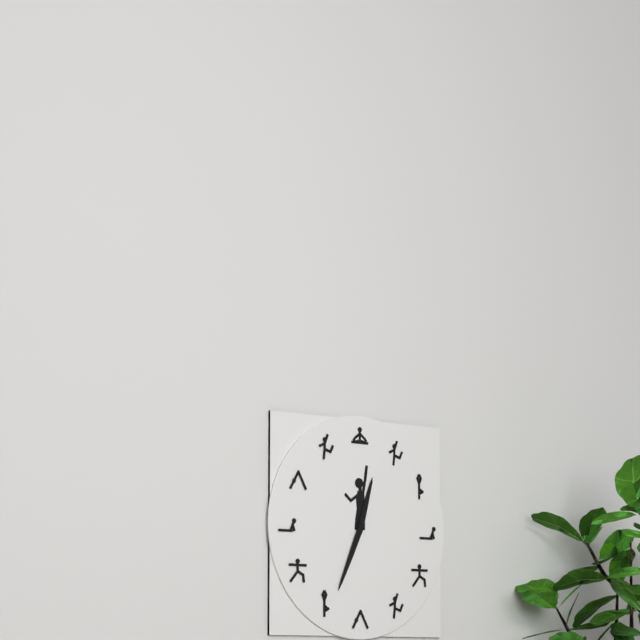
12:34
